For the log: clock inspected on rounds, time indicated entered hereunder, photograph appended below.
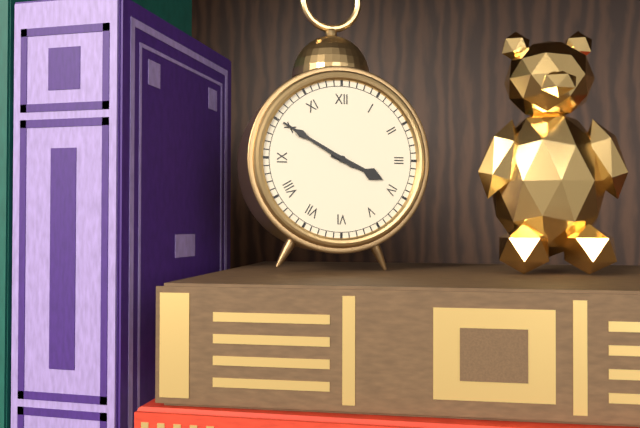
3:50
